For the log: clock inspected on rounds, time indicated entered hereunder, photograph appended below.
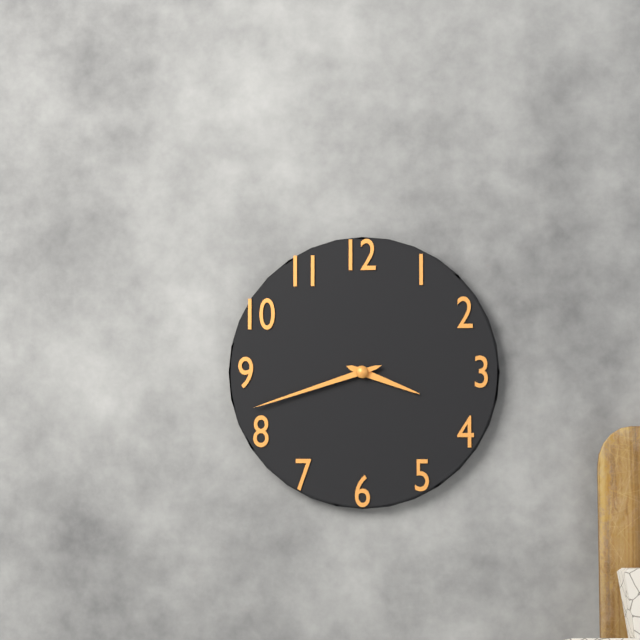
3:42
